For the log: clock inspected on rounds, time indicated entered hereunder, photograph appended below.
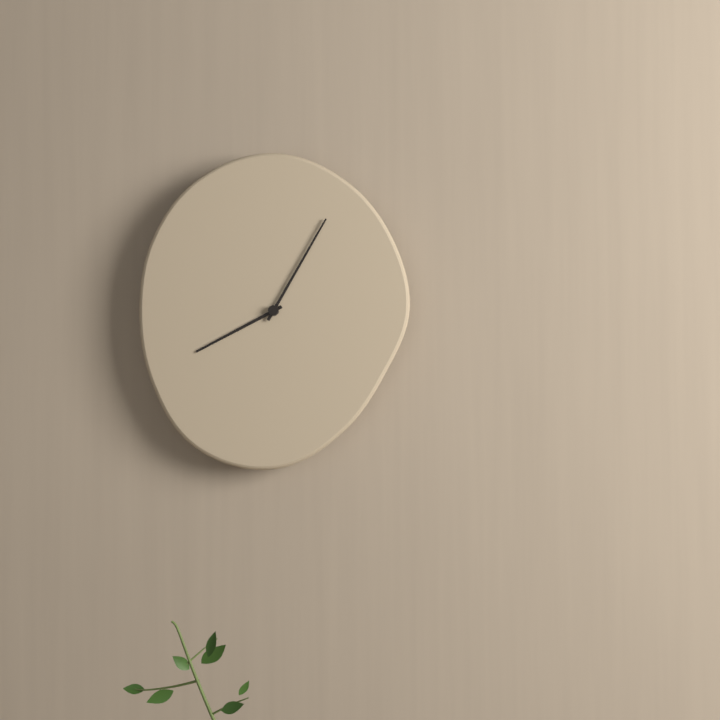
8:05
